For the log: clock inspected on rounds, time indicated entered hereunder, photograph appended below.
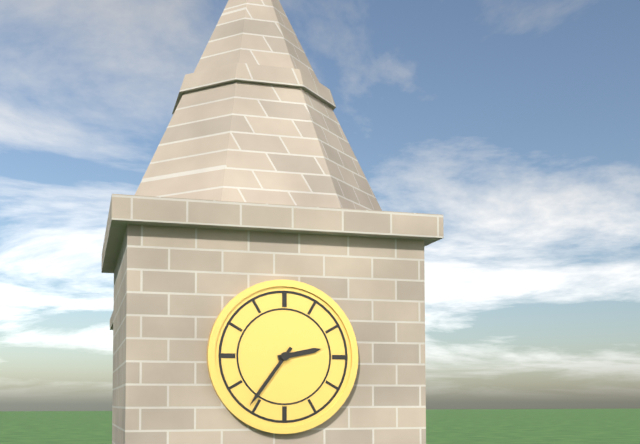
2:36
